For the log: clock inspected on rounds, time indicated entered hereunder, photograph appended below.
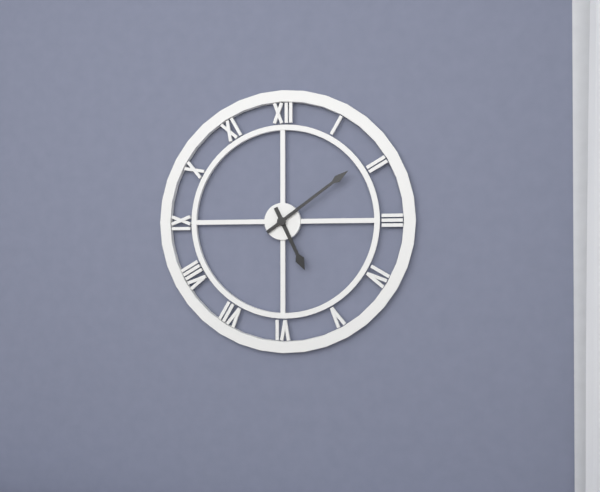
5:09
